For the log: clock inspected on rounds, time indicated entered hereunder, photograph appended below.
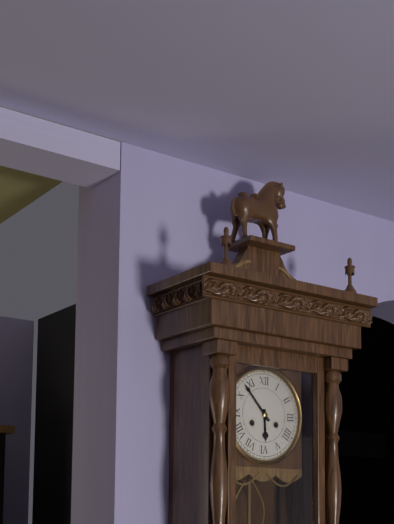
5:53
